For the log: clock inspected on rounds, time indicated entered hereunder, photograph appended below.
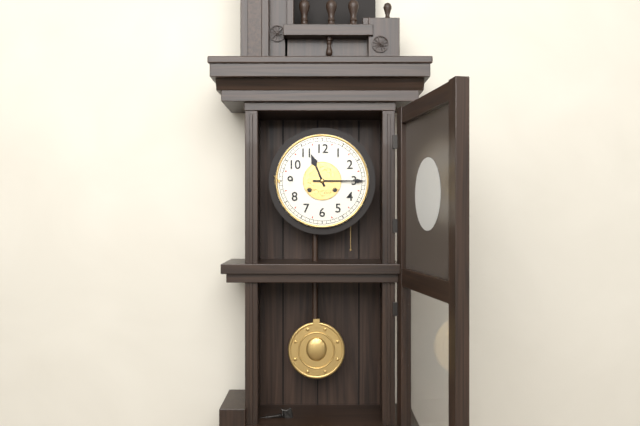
11:15
